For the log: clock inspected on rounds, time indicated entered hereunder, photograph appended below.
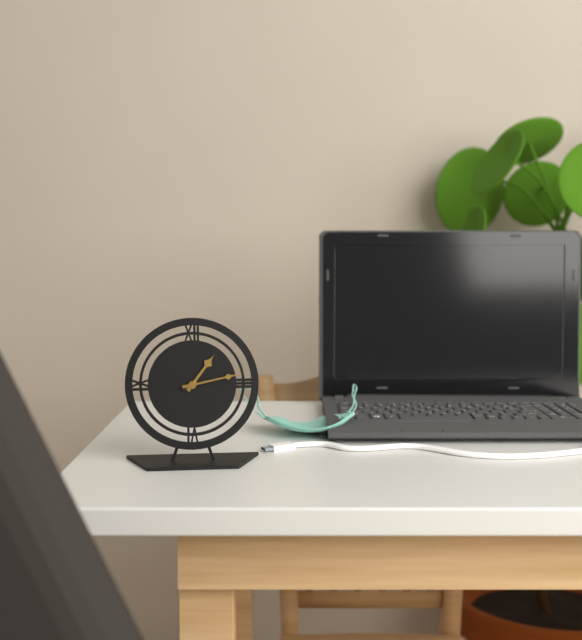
1:13
